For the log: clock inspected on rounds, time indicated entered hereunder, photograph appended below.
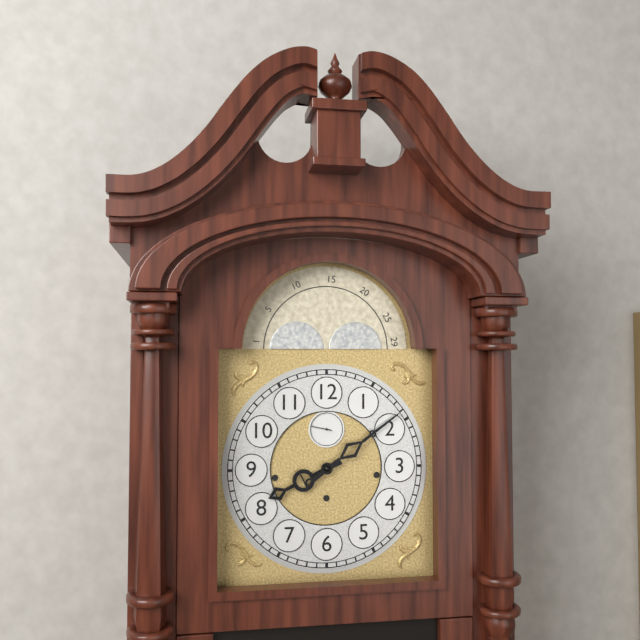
8:09
